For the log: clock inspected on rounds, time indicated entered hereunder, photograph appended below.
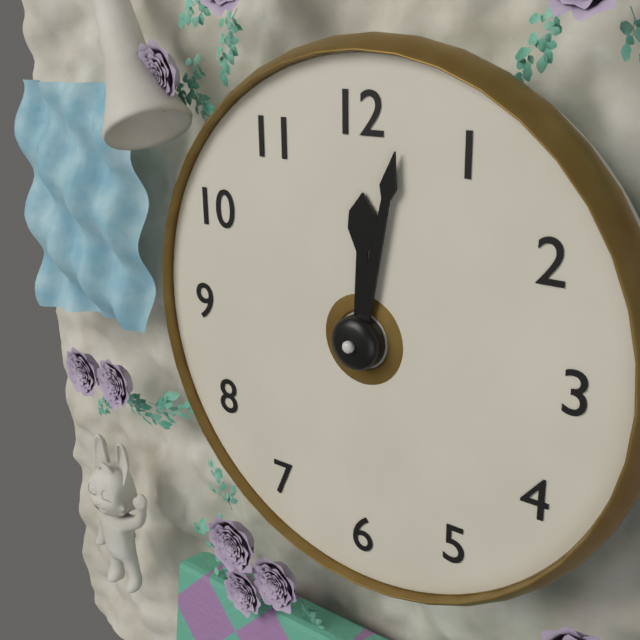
12:02
